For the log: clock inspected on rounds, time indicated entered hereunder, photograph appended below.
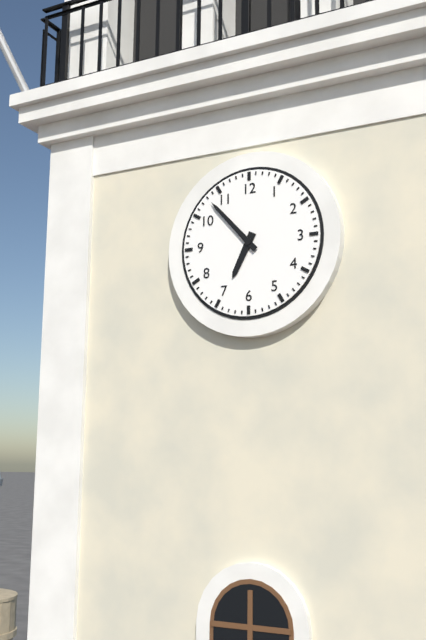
6:53
